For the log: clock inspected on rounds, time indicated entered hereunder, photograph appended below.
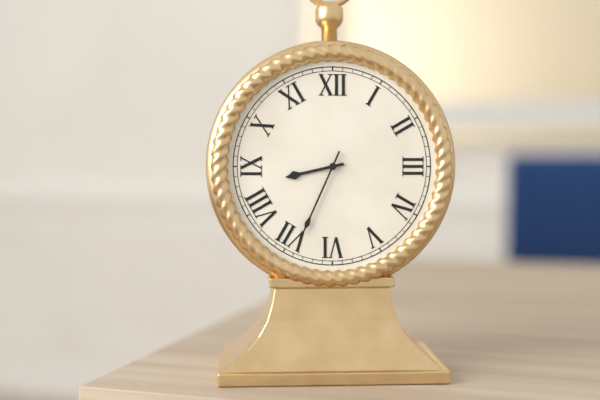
8:34
